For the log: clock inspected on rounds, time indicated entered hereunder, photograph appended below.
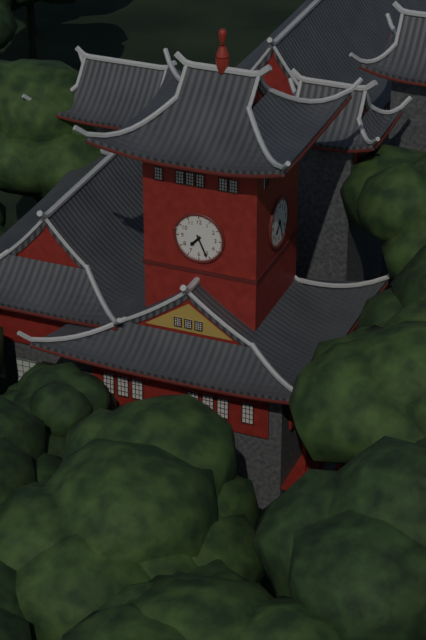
7:26
